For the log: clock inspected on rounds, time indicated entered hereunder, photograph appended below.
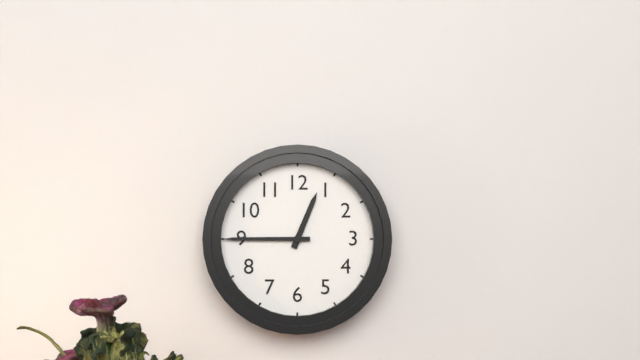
12:45
